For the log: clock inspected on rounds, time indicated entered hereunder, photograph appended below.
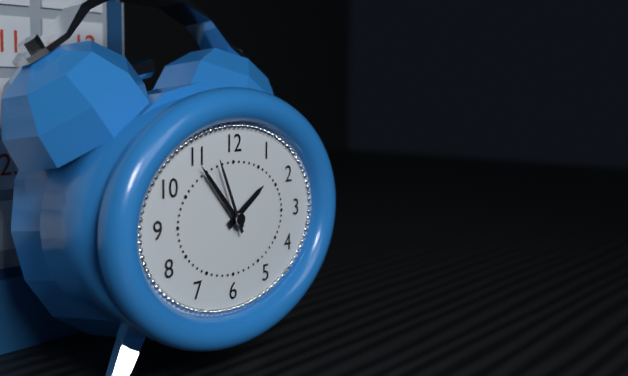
1:53:56
